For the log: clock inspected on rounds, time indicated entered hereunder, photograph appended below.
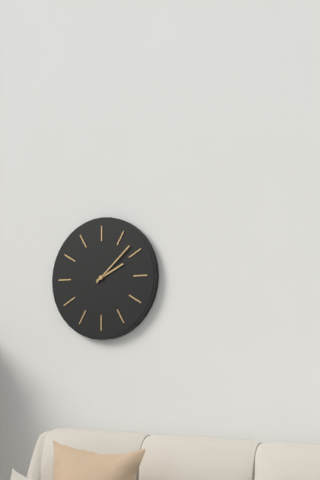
2:08
